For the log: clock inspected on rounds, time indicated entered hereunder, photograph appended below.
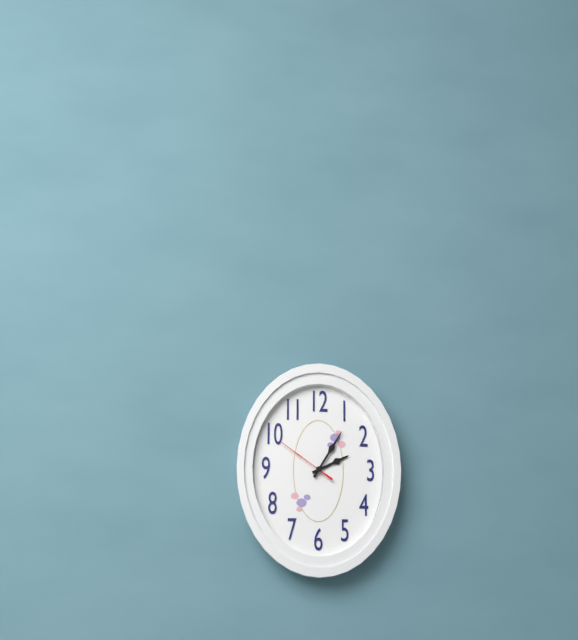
2:05:51
